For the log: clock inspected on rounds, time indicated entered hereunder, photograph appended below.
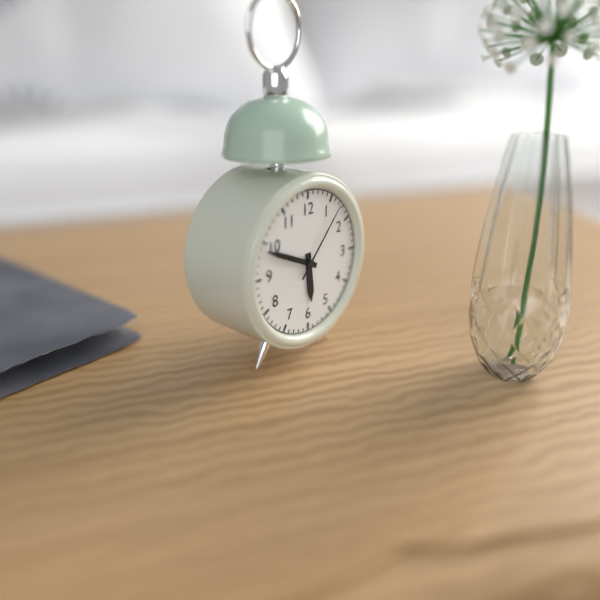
5:49:07
